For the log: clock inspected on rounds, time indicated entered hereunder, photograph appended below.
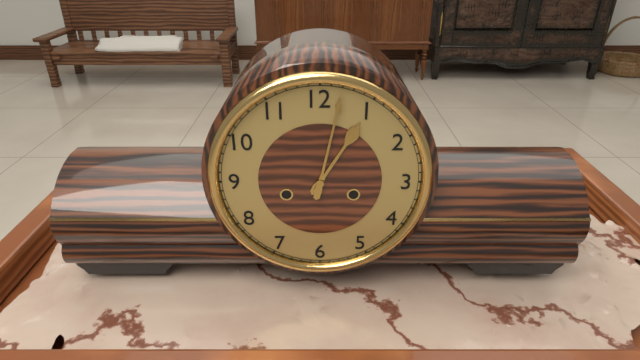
1:02
